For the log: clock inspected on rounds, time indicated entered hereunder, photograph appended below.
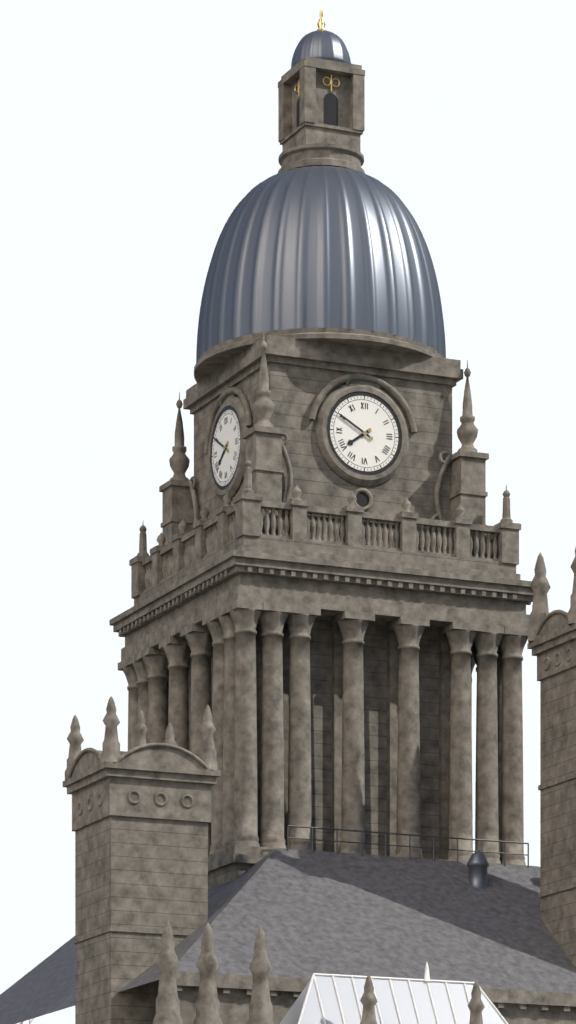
7:50
